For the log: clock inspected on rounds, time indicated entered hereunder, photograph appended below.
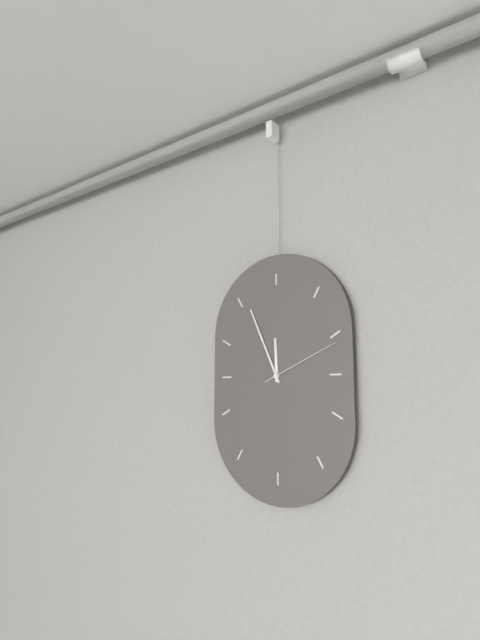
11:56:11
